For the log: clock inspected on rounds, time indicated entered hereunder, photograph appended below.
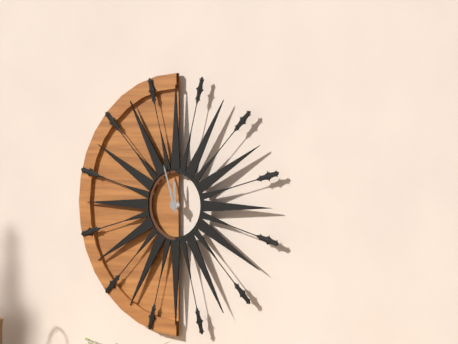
11:57
